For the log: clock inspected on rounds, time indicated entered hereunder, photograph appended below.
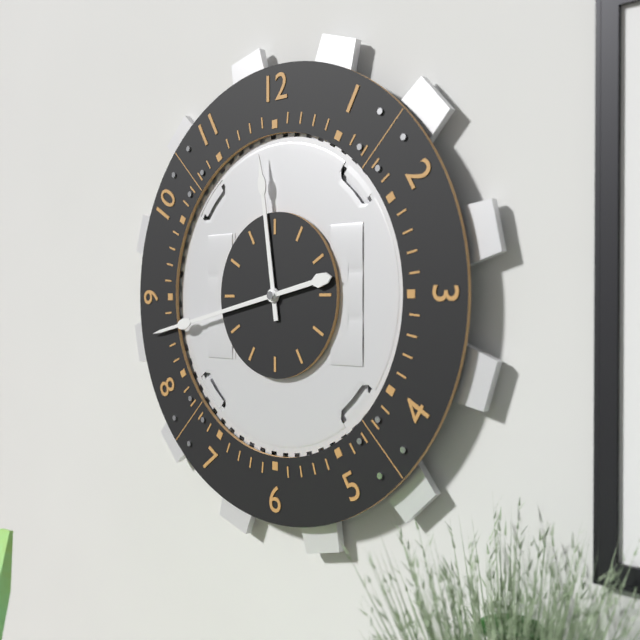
11:43
